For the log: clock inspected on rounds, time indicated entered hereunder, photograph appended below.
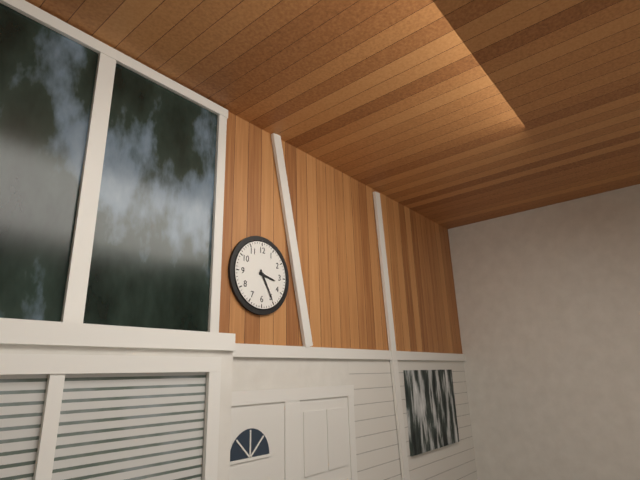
3:25
